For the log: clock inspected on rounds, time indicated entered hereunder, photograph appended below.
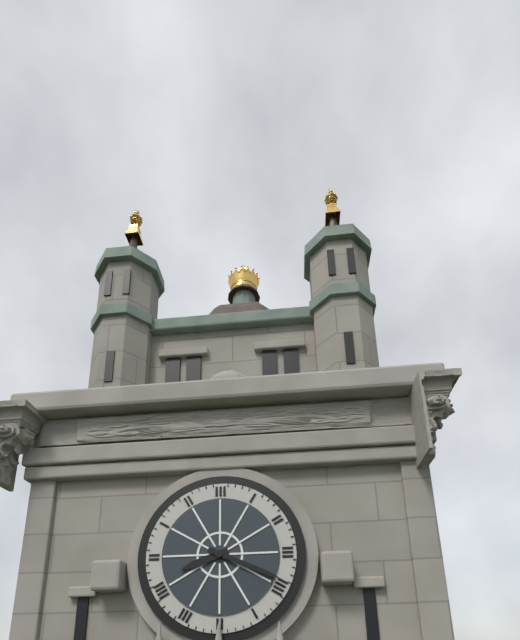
8:19
